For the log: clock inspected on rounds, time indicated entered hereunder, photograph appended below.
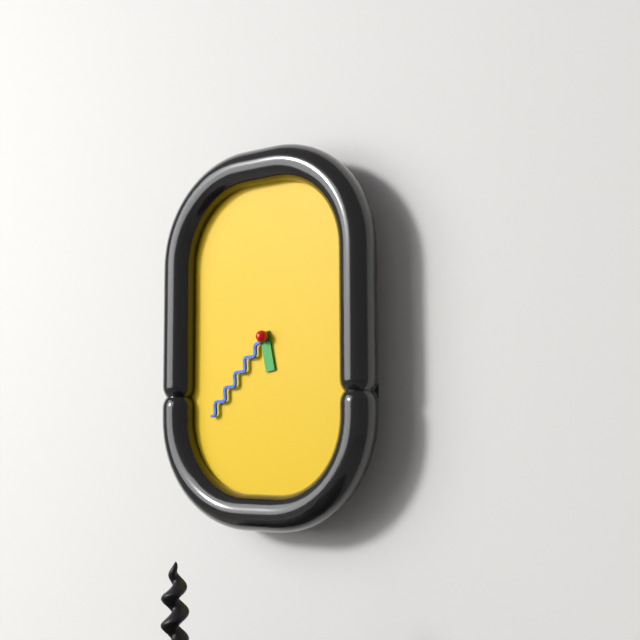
5:37
